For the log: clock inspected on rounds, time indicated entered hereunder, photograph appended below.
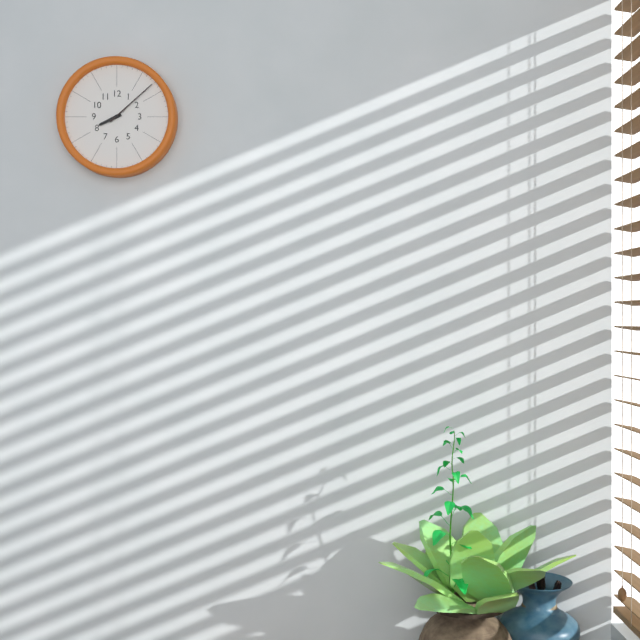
8:08
